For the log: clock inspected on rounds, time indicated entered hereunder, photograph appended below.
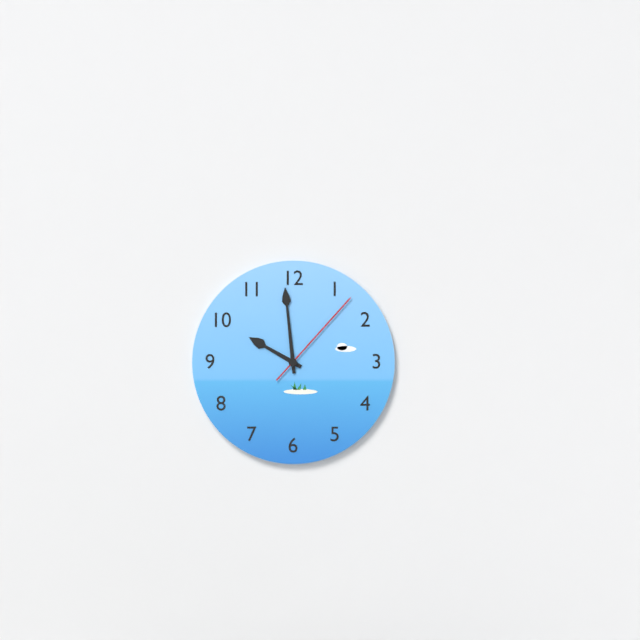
9:59:07
